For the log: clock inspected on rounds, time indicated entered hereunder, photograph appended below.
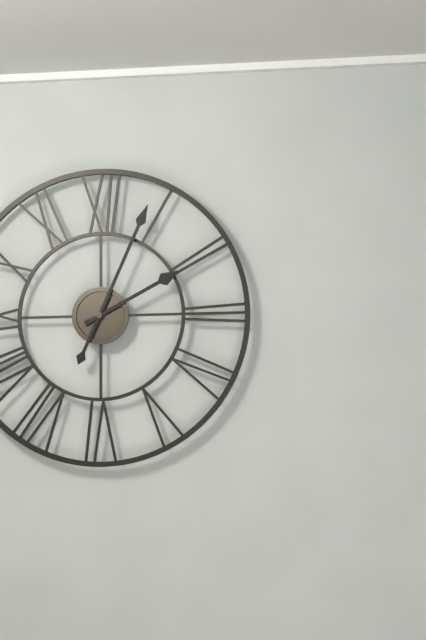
2:04
